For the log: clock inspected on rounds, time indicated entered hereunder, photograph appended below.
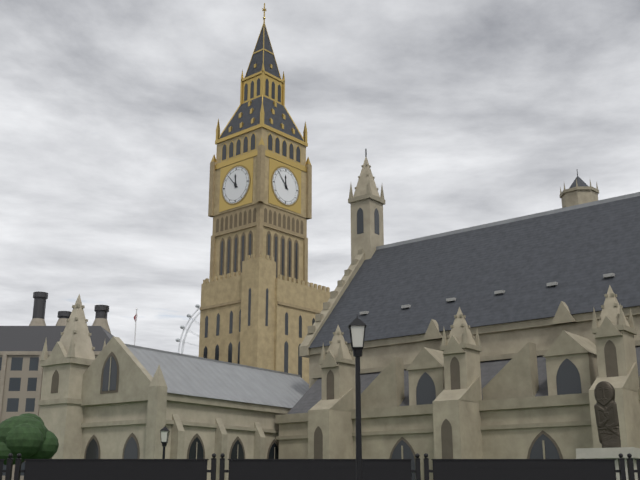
11:53
